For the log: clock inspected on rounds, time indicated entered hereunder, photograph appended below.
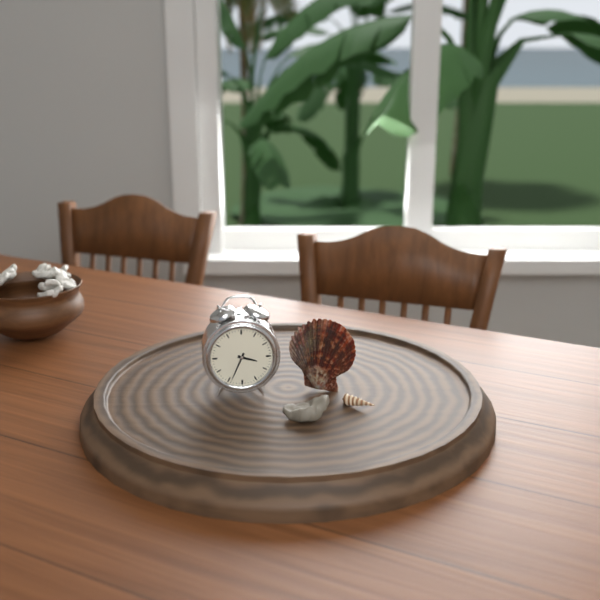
3:34
